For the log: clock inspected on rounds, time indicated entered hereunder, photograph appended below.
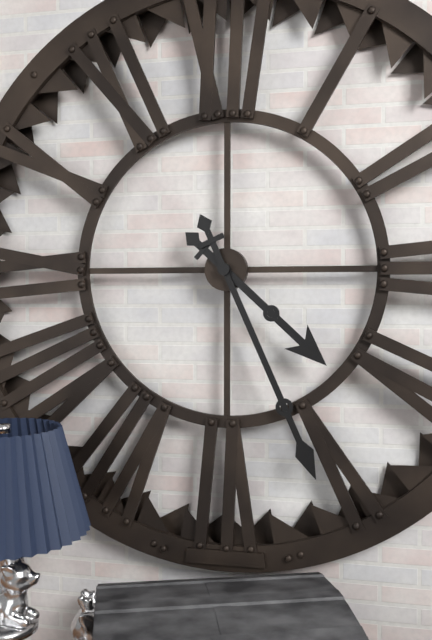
4:26
